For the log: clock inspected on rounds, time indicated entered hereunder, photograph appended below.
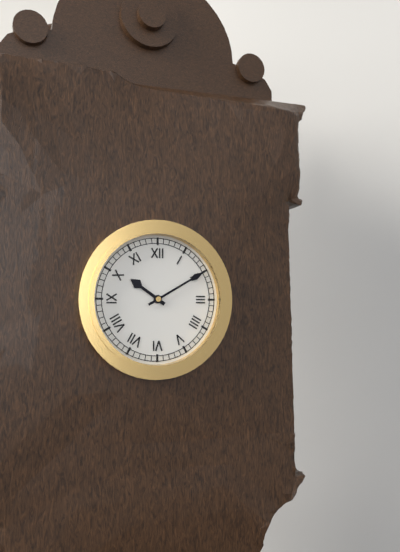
10:10
